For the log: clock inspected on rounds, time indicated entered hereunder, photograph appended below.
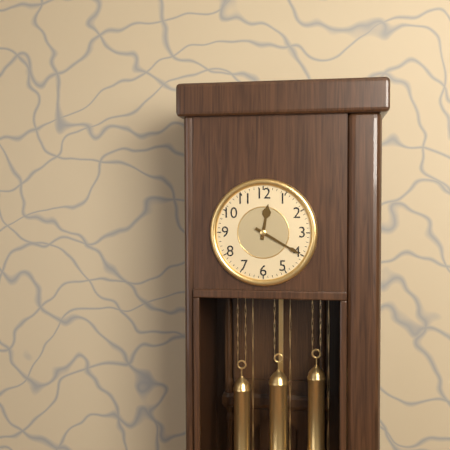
12:20
